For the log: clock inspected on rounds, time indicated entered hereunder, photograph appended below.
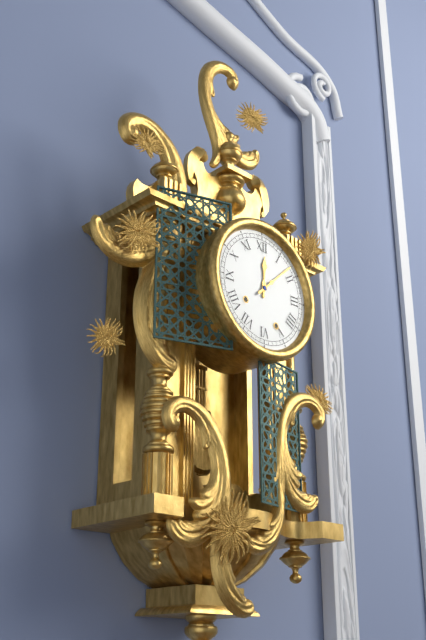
12:08
